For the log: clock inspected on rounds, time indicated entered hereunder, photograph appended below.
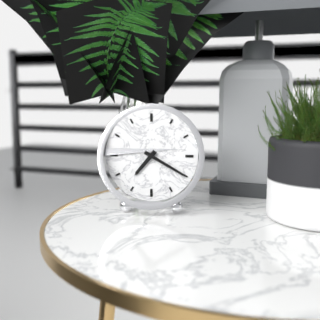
7:20
